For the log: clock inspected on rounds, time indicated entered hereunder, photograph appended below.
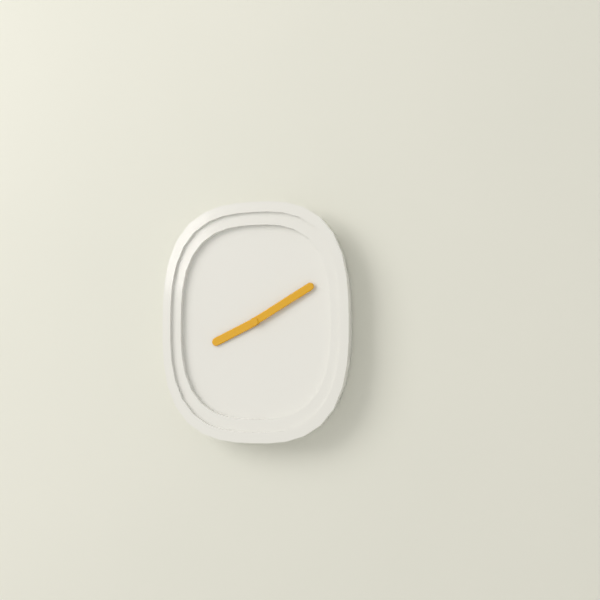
8:10
